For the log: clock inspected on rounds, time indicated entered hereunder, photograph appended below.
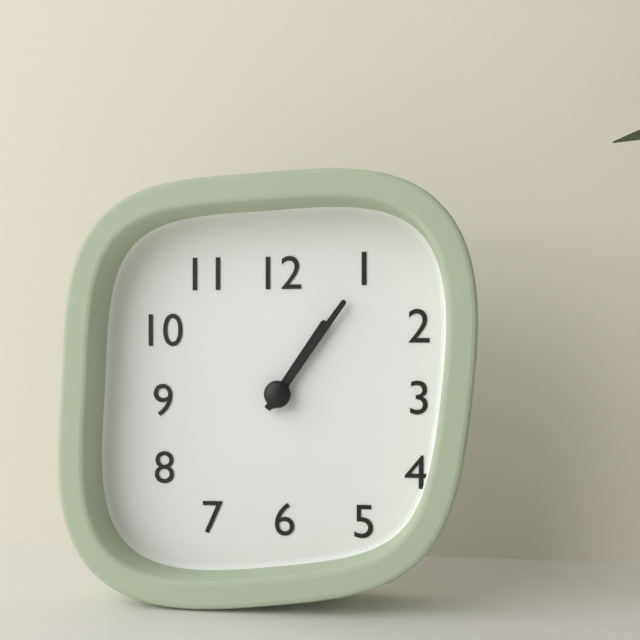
1:06
